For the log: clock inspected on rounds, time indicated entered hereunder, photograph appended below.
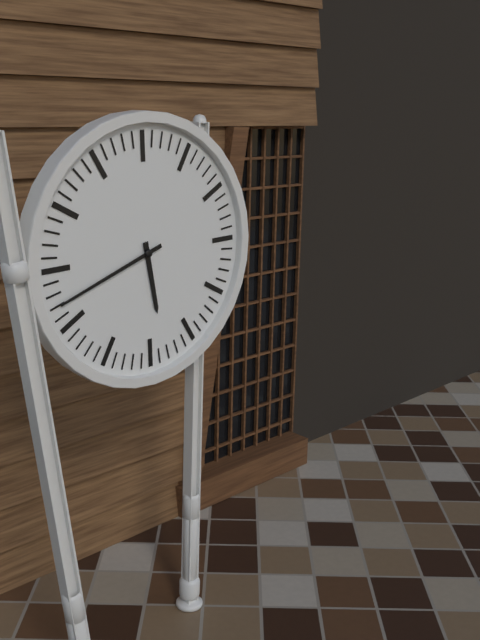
5:42
